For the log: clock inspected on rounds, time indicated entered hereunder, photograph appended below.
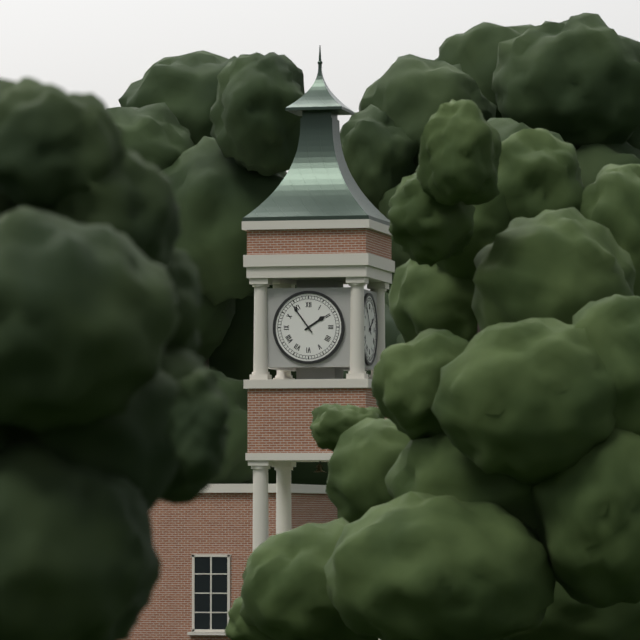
1:54
